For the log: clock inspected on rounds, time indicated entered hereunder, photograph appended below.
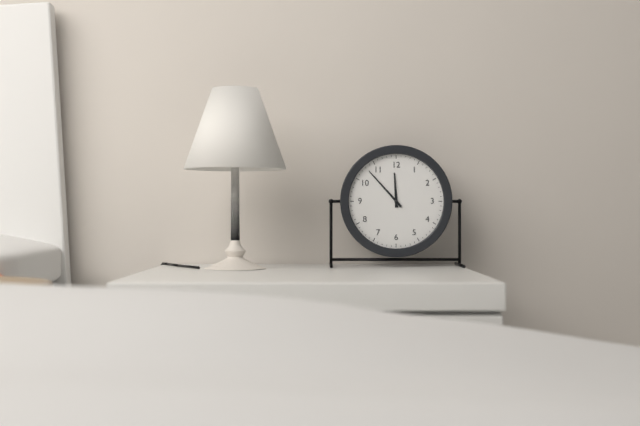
11:53
